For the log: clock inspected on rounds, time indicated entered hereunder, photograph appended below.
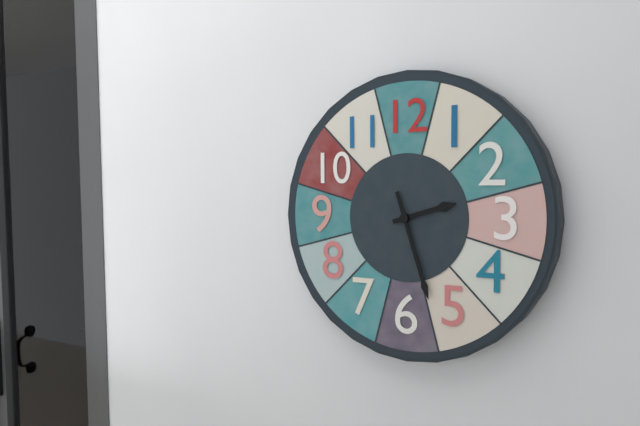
2:27
